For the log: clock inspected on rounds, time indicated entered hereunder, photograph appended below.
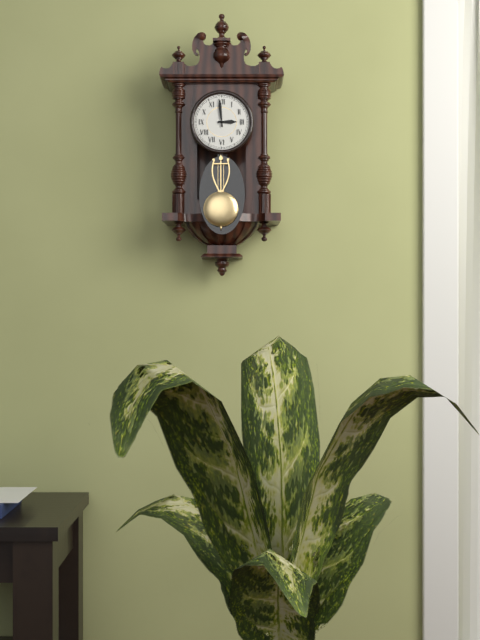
2:59
